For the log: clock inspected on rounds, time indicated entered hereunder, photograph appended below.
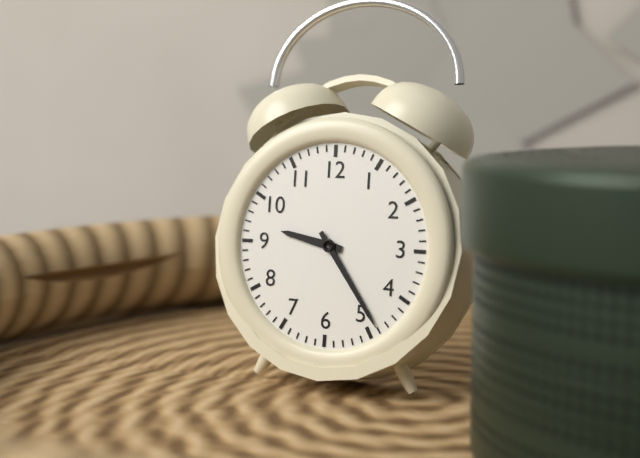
9:24
